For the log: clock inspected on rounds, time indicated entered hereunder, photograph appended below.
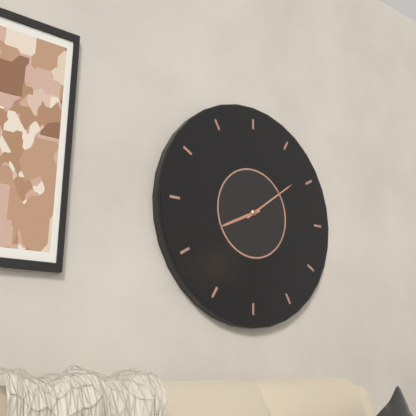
8:09
